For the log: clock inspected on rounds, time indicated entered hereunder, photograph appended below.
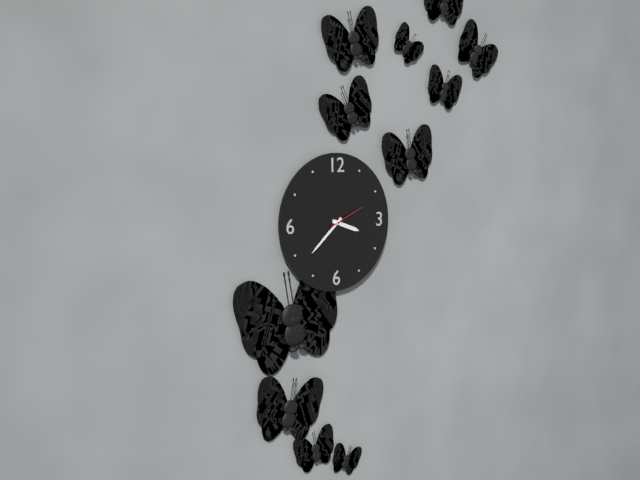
3:38
